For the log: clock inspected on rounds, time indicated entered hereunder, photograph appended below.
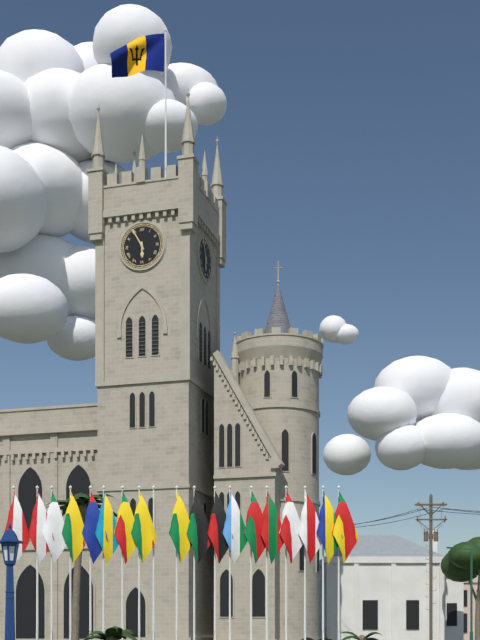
5:55
